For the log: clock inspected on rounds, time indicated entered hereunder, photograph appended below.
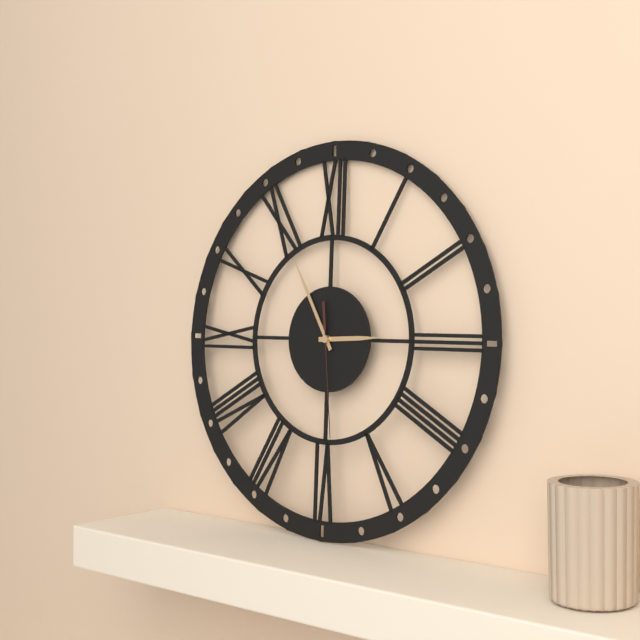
2:55:29
